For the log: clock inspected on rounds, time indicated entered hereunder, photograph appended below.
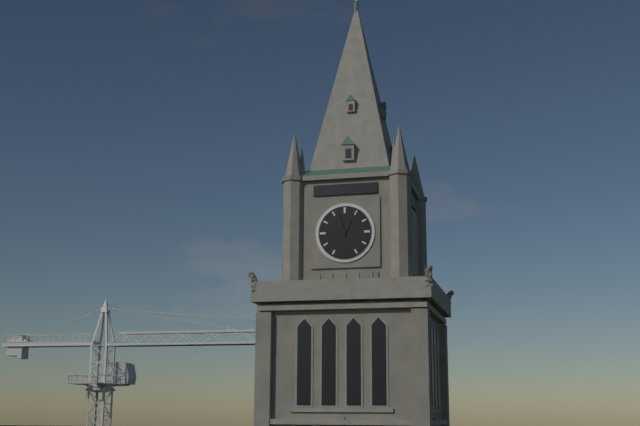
12:57
